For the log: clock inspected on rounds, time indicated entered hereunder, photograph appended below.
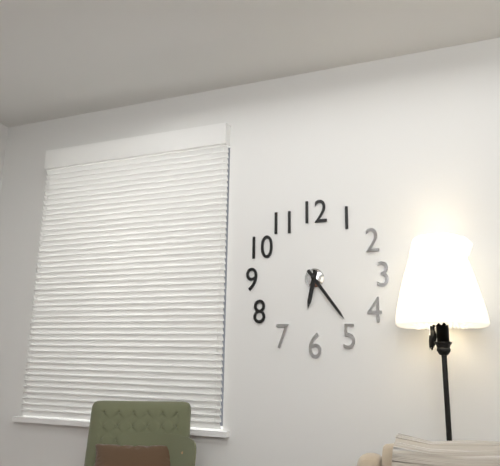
6:24
